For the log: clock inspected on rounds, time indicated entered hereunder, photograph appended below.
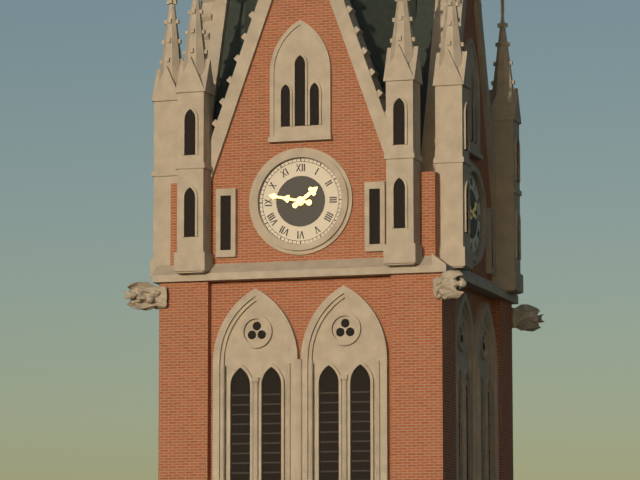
1:47
